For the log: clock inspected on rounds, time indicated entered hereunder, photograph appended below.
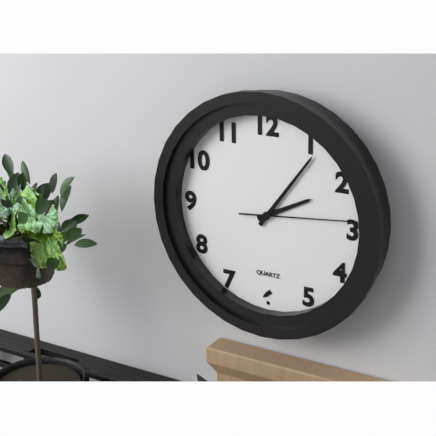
2:06:14
